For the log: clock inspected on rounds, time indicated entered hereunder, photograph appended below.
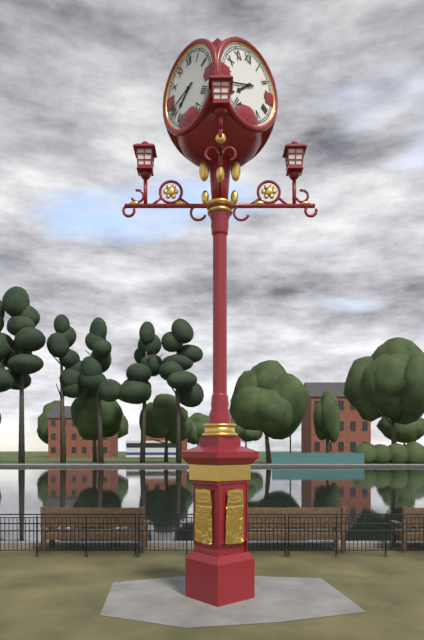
7:42
